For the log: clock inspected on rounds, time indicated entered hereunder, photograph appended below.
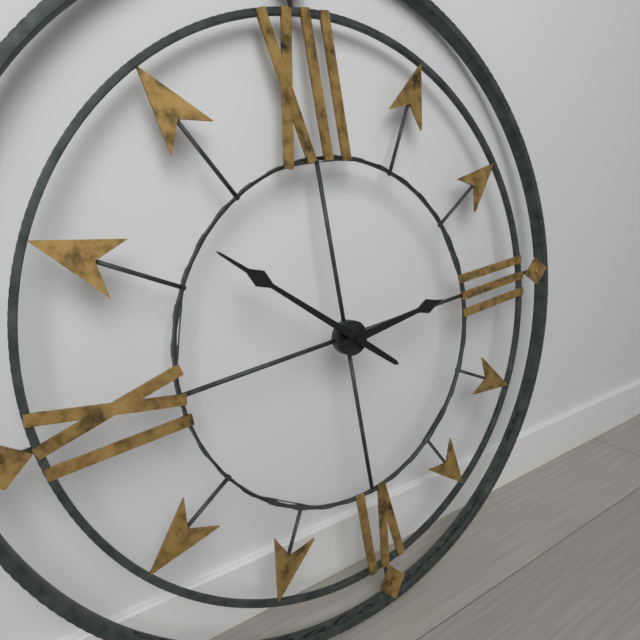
2:52
